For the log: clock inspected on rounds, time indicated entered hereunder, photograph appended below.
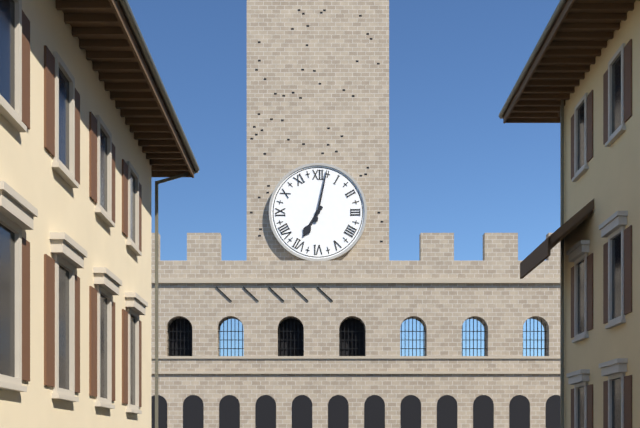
7:02
